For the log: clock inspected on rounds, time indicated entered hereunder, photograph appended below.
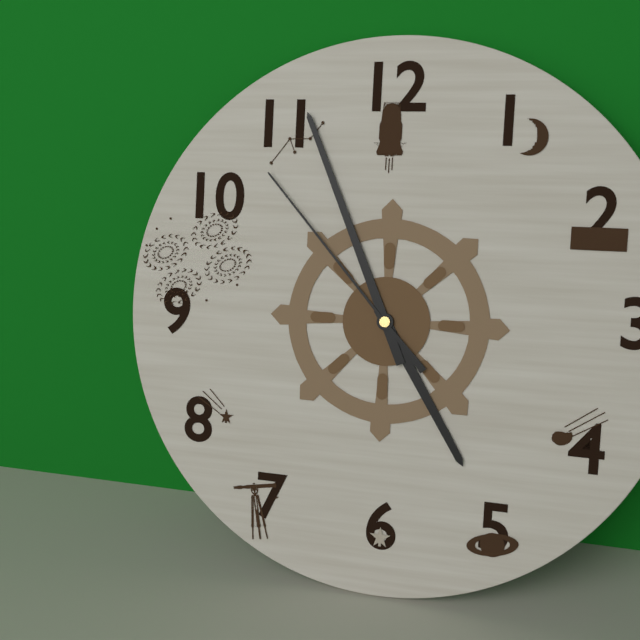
4:56:53
